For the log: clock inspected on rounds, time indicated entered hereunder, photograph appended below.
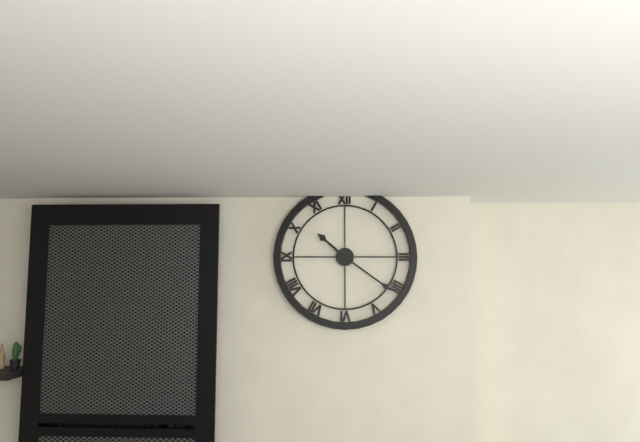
10:21
